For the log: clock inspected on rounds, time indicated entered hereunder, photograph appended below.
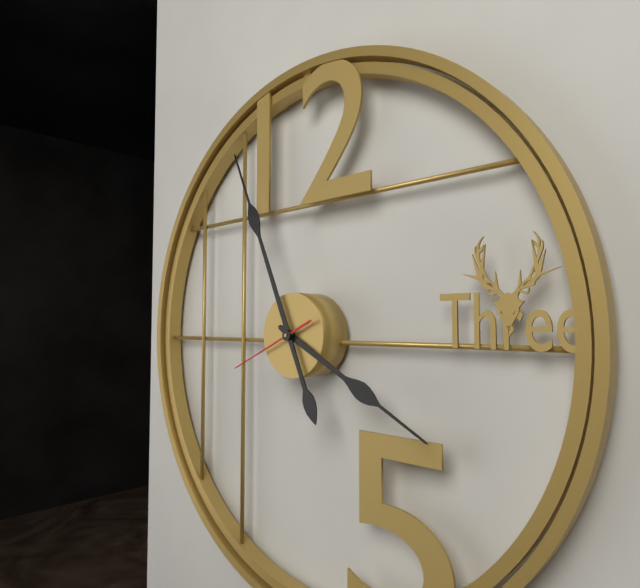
3:56:41
